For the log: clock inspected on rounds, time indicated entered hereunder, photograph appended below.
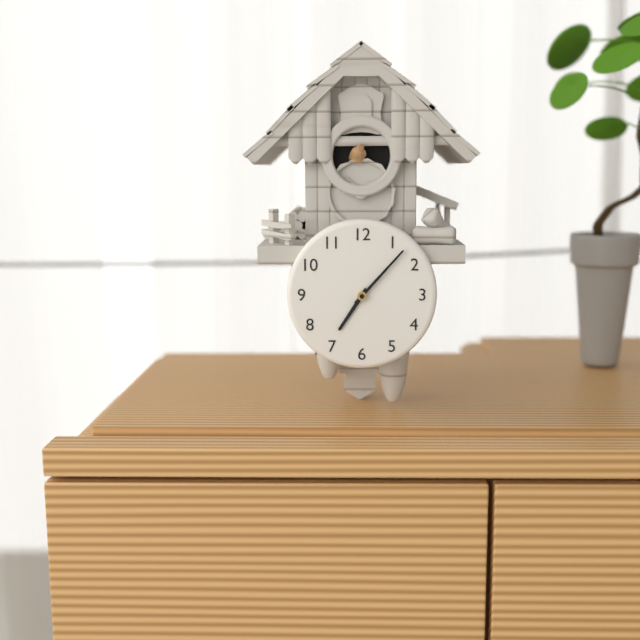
7:07
